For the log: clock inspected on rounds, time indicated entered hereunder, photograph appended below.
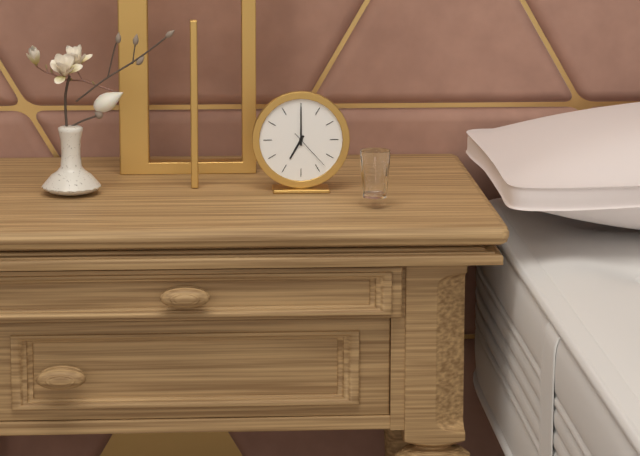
7:00
